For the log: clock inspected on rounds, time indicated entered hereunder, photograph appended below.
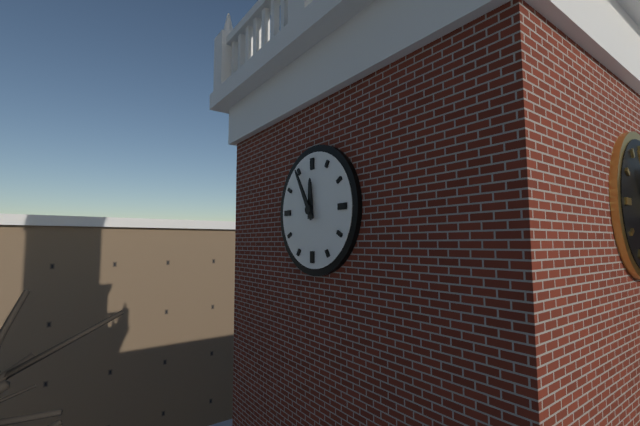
11:55
